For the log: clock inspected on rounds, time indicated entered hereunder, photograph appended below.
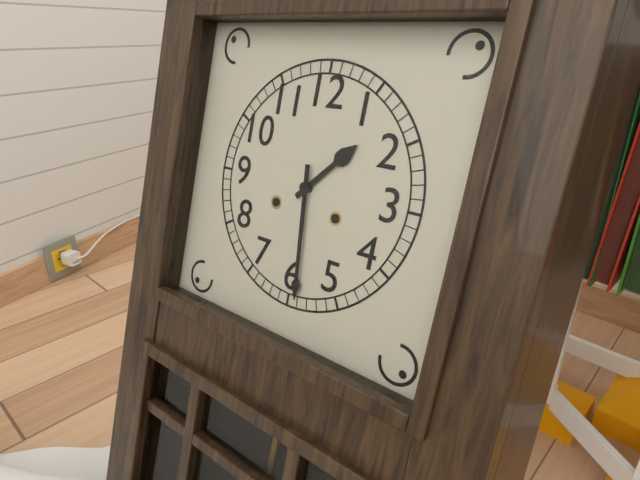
1:29
